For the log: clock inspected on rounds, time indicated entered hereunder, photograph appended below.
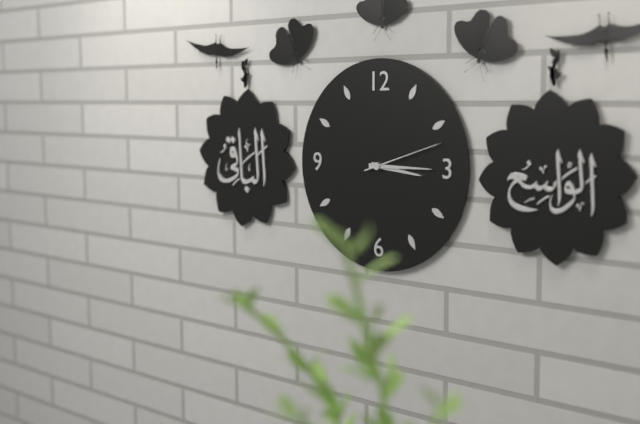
3:15:12
